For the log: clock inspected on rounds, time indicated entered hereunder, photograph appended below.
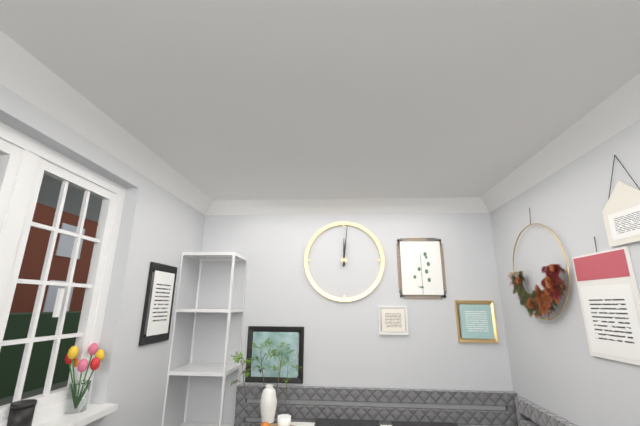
12:01
